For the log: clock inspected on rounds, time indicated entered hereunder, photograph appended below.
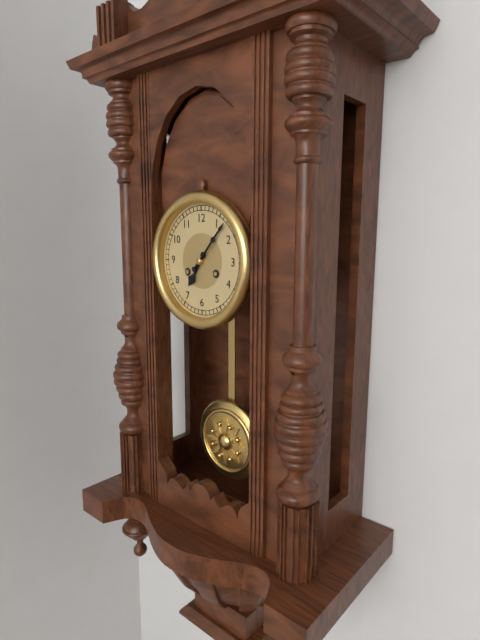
7:07
